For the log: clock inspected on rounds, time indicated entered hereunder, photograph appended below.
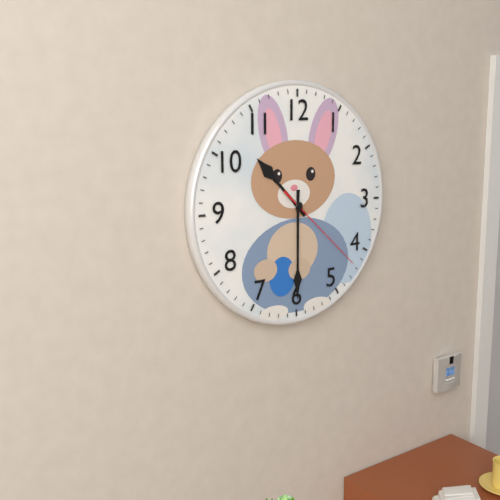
10:30:22
